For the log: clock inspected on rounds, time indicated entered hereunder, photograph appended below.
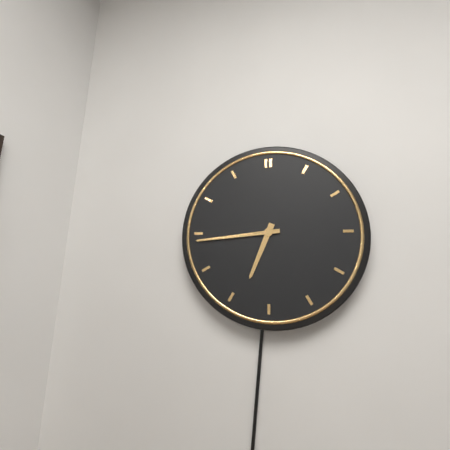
6:44
